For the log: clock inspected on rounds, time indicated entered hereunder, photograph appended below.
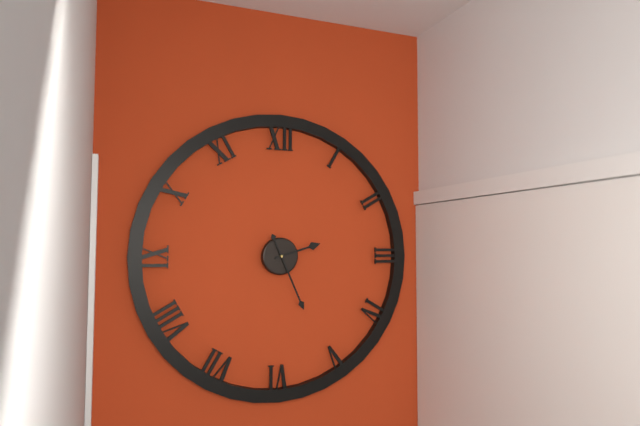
2:26
